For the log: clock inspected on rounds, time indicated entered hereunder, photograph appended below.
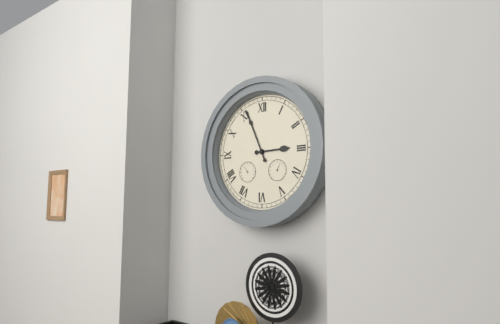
2:56
